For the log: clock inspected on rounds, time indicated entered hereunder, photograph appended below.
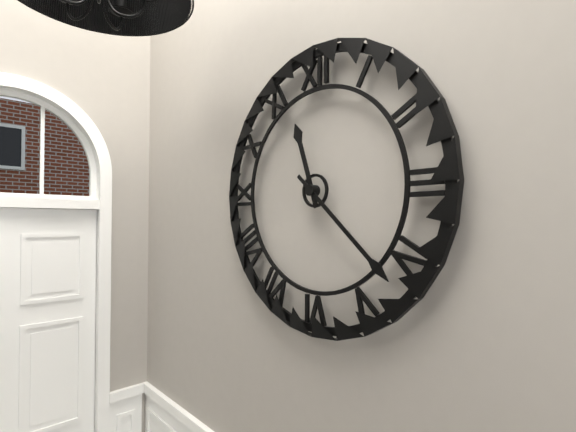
11:22
